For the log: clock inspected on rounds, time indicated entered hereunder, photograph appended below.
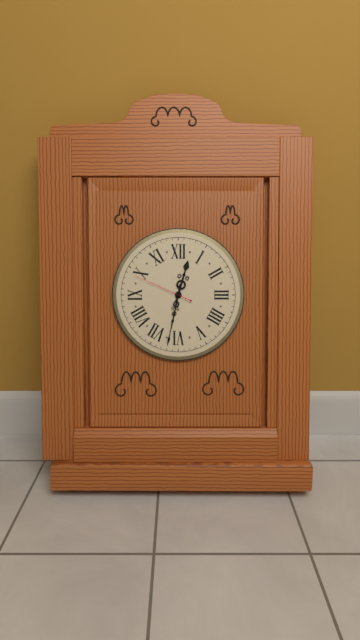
12:32:49
